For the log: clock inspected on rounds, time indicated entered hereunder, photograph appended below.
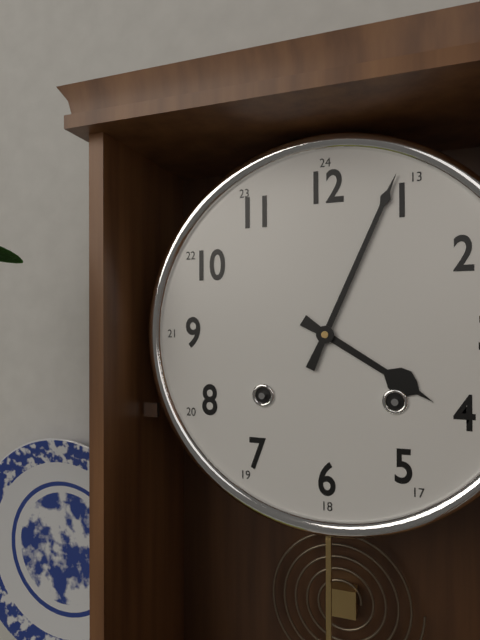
4:04
